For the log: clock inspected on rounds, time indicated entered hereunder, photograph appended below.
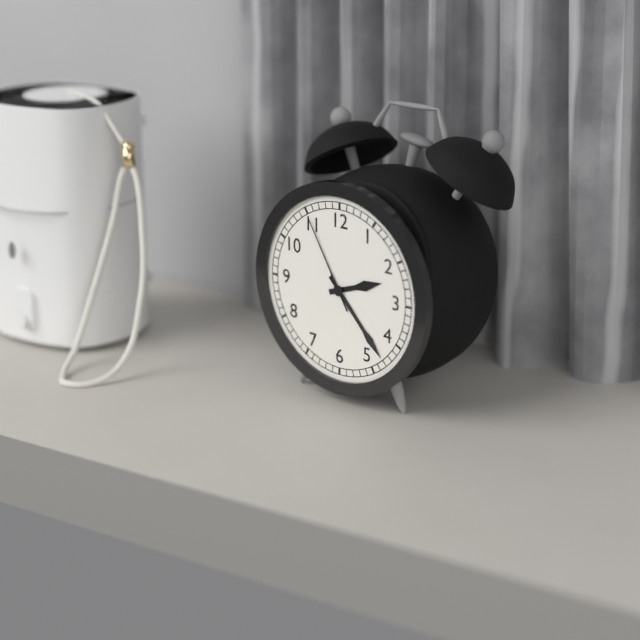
2:23:55
